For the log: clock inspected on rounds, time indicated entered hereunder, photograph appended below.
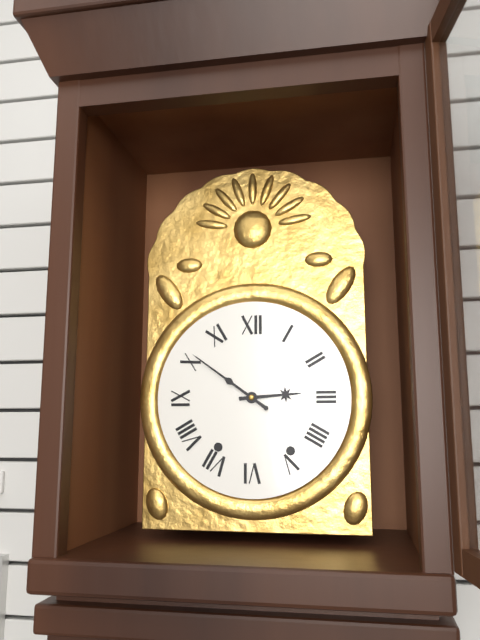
2:51
